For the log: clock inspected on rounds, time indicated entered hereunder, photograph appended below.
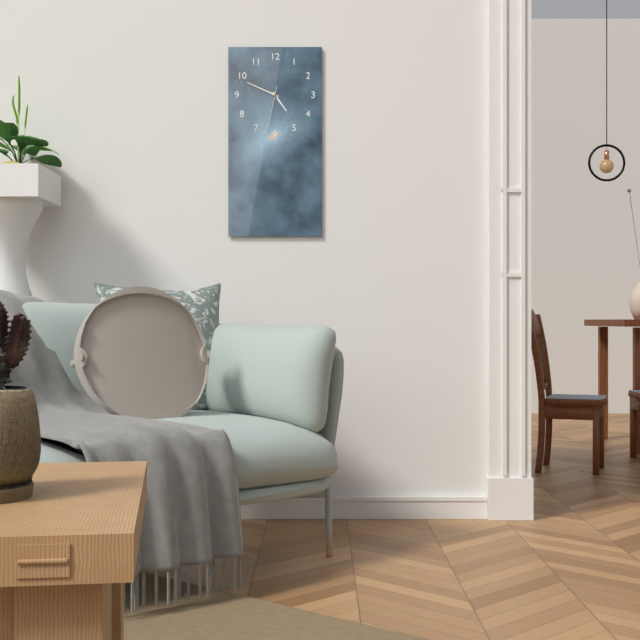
4:49
